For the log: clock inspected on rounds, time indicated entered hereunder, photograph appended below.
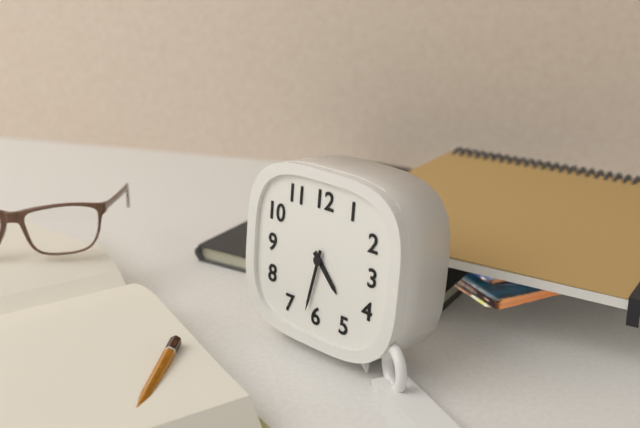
4:32
